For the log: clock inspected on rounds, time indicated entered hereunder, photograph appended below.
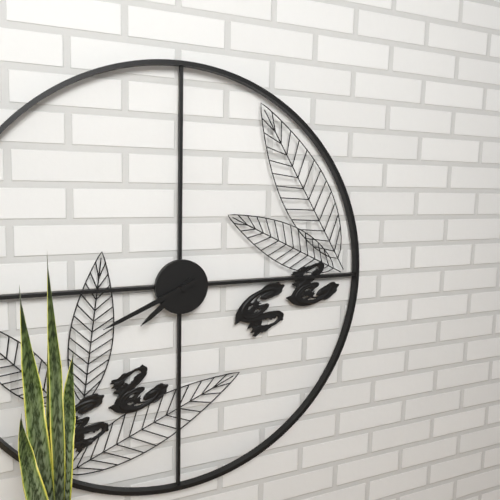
7:41
